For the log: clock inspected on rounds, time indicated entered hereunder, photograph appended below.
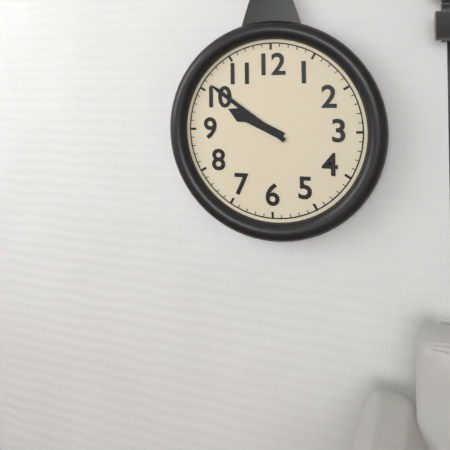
9:51
